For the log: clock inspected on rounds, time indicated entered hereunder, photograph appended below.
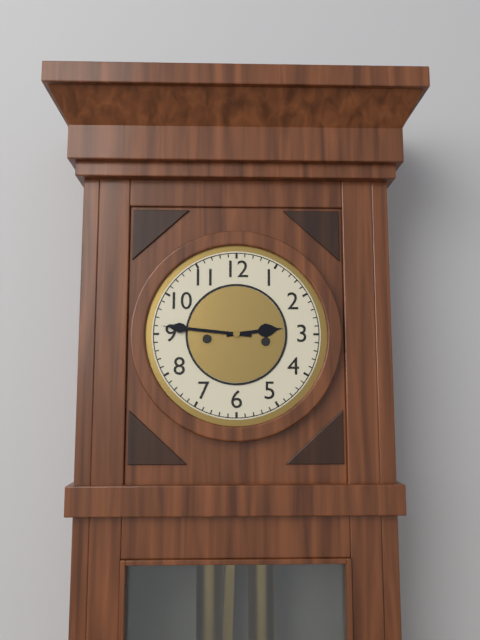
2:46
